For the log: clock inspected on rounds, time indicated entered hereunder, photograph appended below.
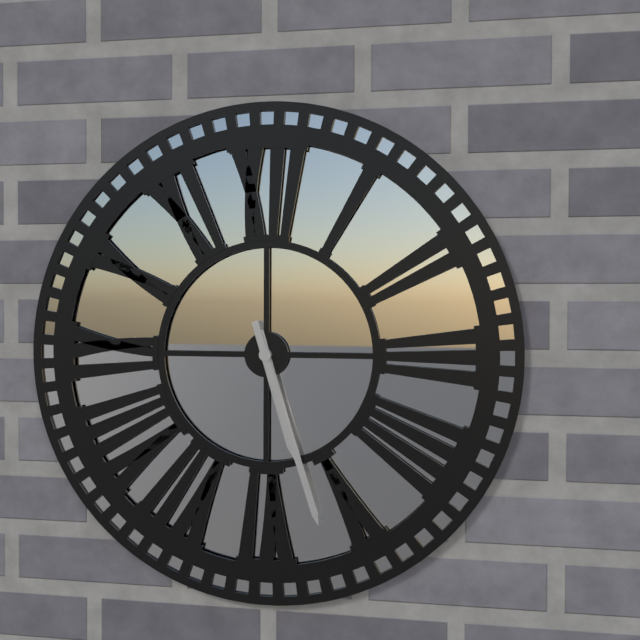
5:27
